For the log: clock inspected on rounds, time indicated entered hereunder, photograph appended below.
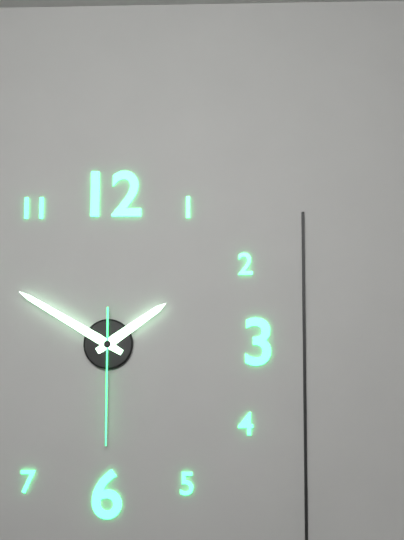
1:50:30
